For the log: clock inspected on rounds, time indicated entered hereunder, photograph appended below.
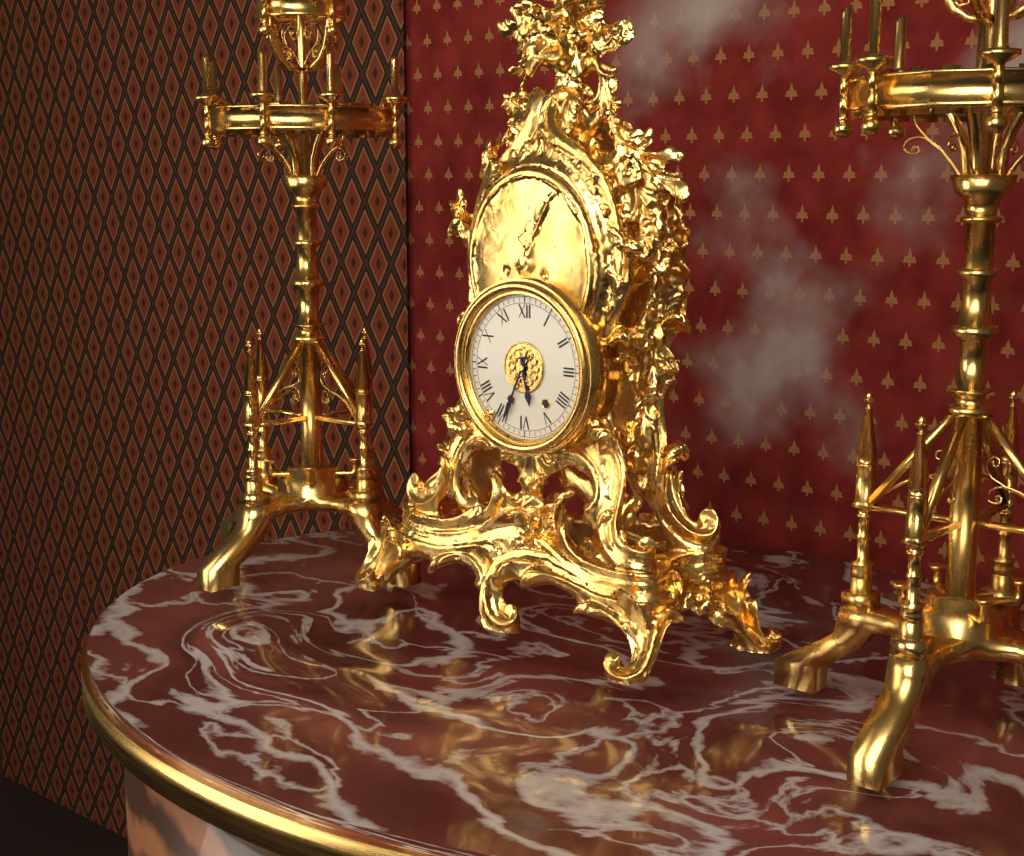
5:34
